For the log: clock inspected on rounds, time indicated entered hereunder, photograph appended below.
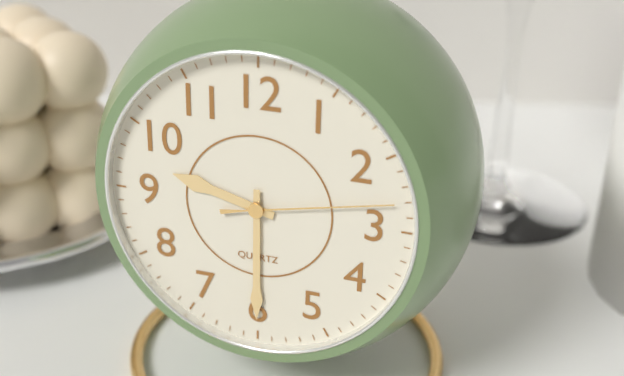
9:30:13
